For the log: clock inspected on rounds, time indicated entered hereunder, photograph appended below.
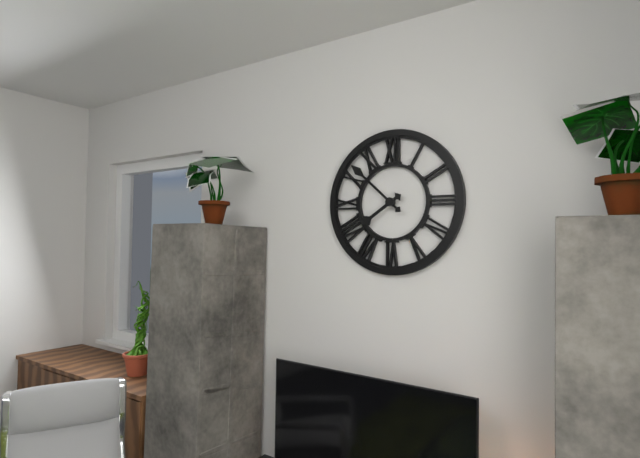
7:52
